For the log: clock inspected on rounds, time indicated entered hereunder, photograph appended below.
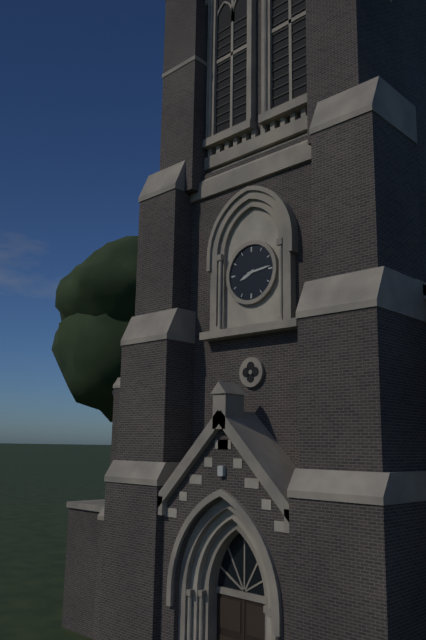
8:14
